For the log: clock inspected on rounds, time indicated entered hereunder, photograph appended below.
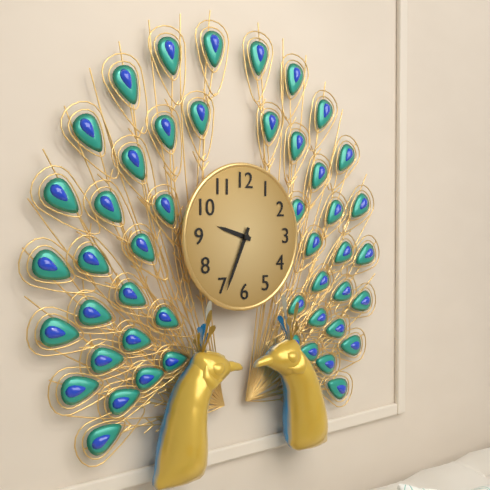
9:34
